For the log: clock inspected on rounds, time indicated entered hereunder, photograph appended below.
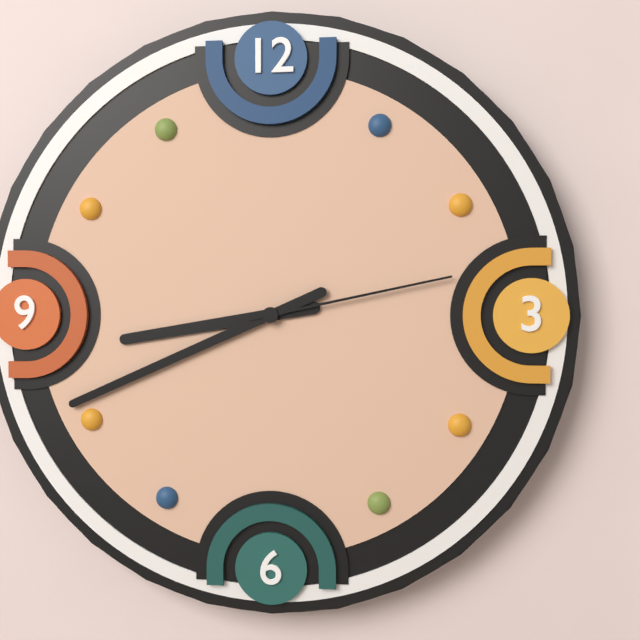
8:41:13
